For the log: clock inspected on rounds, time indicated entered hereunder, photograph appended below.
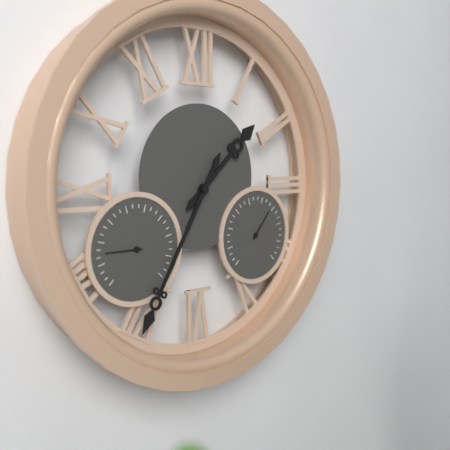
1:35
